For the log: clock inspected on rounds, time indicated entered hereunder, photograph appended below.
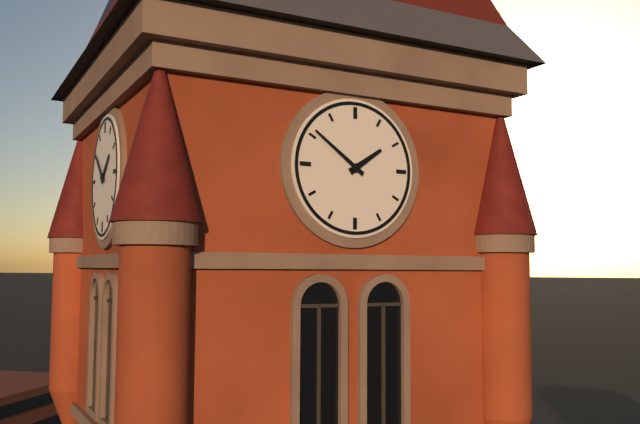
1:51
